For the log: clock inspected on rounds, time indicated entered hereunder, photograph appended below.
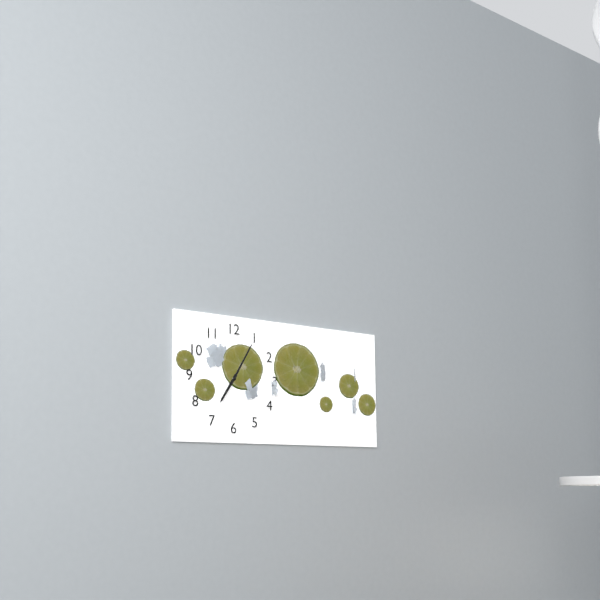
7:05
